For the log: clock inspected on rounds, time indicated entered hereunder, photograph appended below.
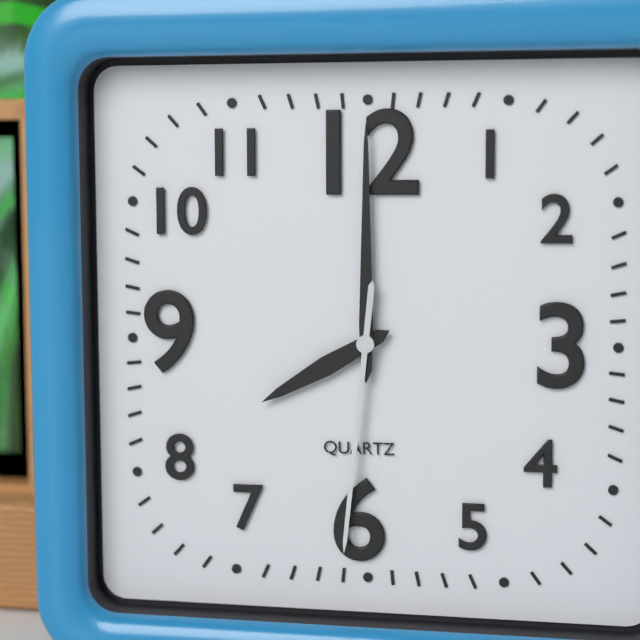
8:00:31
